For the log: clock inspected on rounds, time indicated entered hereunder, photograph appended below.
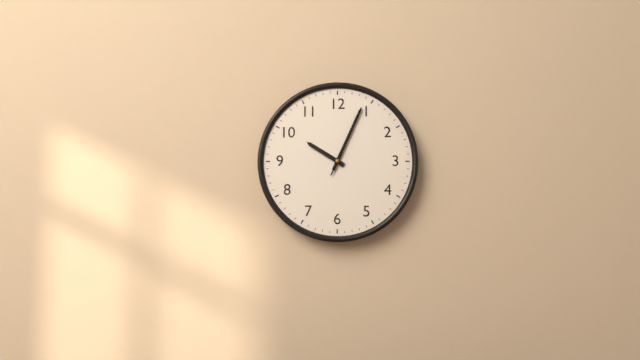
10:04:04
